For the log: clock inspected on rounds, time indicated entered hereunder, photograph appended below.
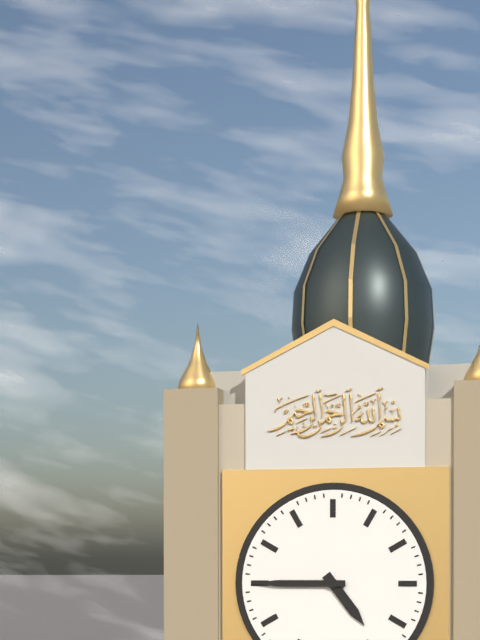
4:45
